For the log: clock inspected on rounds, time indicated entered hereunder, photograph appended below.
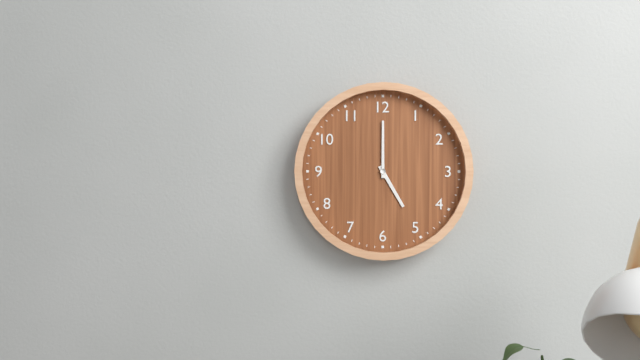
5:00
